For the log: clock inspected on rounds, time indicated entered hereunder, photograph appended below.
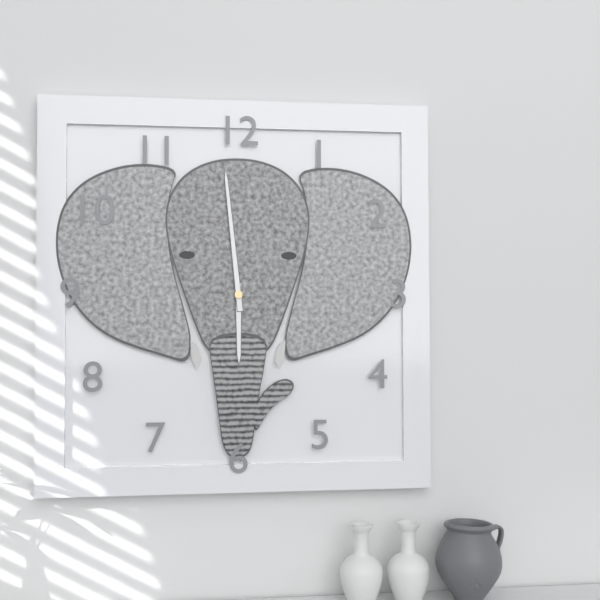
5:59
